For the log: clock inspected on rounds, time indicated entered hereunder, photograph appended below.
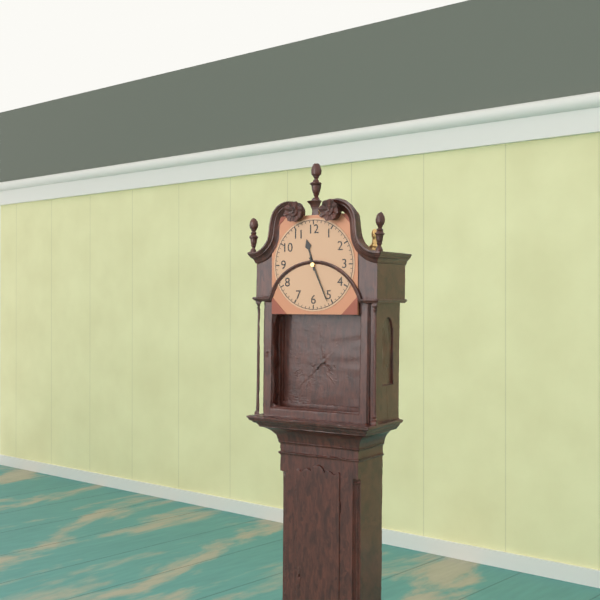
11:26
